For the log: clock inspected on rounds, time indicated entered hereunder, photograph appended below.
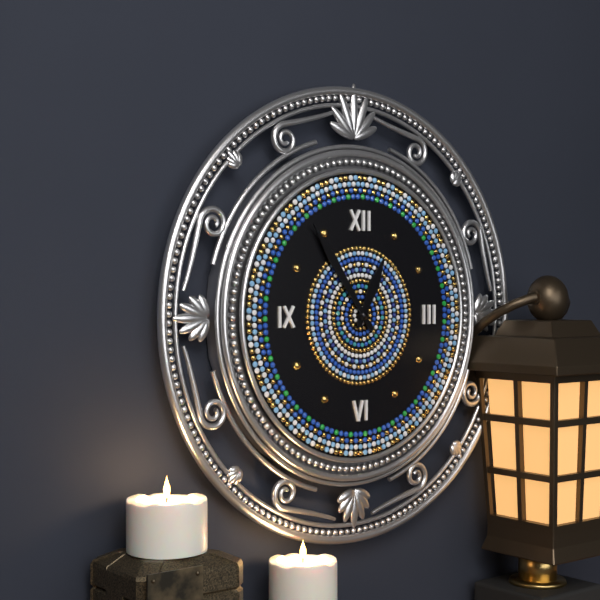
12:54
